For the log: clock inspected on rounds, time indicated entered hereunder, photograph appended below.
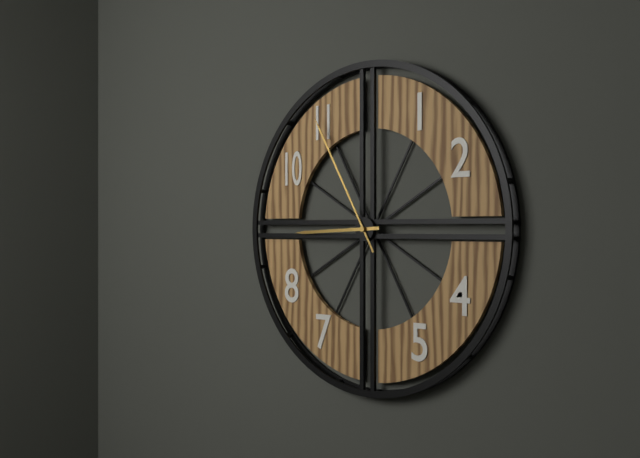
8:55
